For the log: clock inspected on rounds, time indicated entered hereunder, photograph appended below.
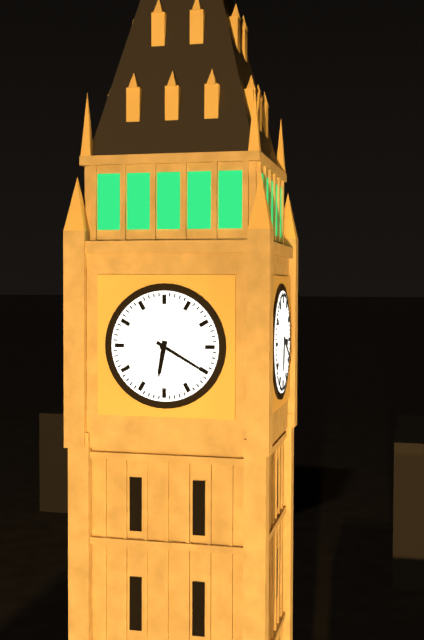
6:20
